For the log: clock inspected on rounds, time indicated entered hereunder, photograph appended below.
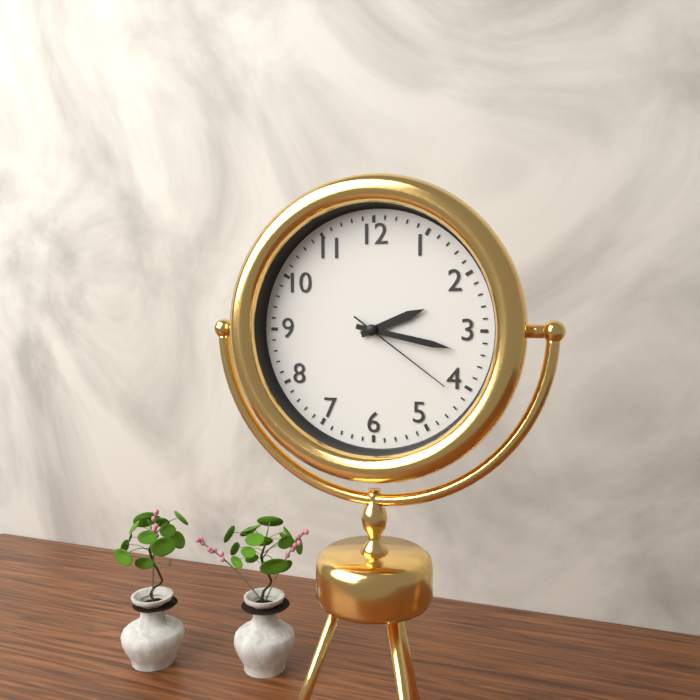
2:17:21
